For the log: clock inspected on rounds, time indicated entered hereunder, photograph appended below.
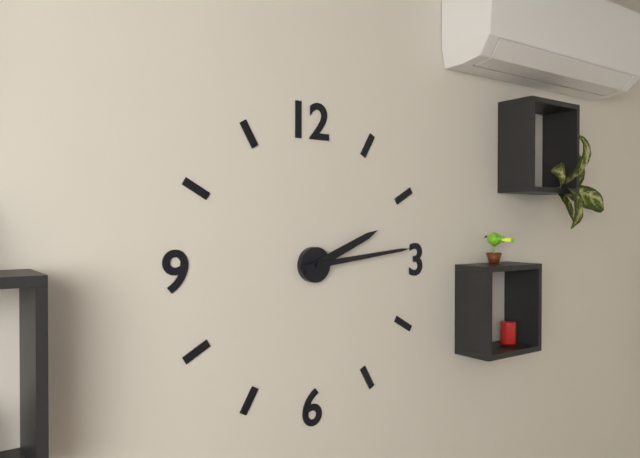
2:14
